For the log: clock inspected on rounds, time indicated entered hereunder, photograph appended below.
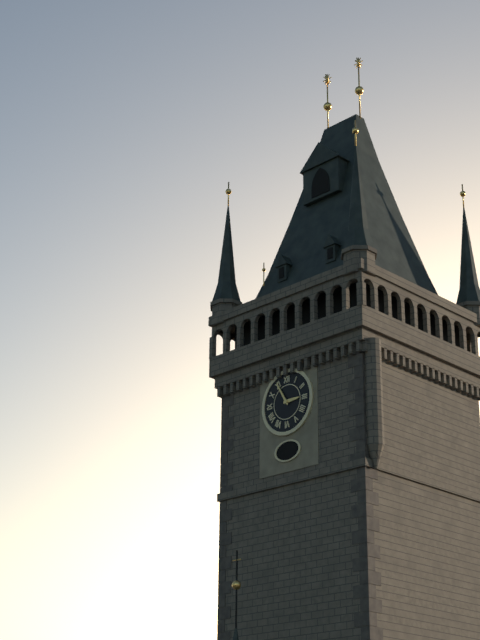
2:55
